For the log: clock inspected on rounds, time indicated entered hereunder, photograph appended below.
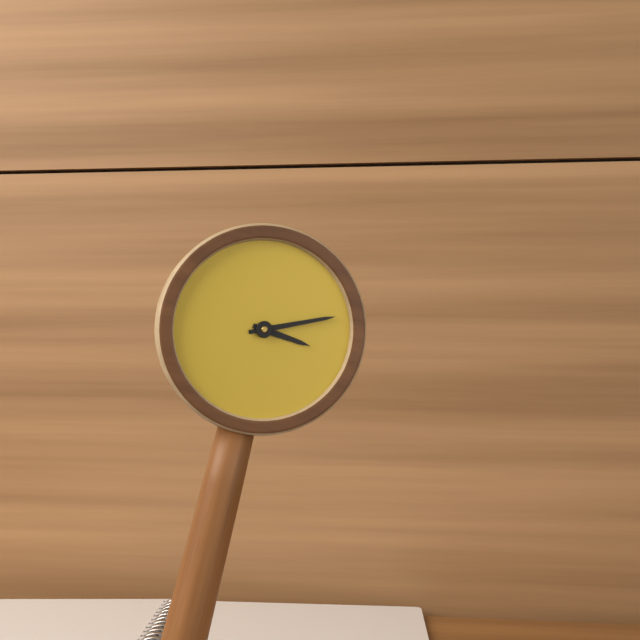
3:11
